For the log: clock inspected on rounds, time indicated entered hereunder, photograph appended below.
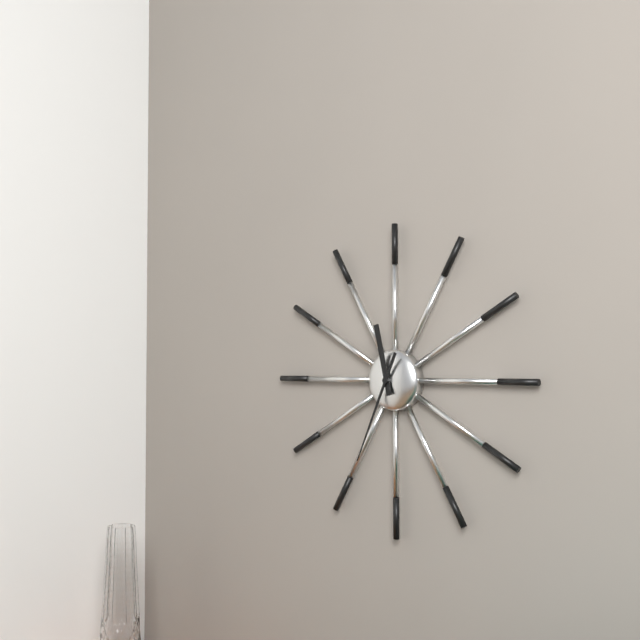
11:34
